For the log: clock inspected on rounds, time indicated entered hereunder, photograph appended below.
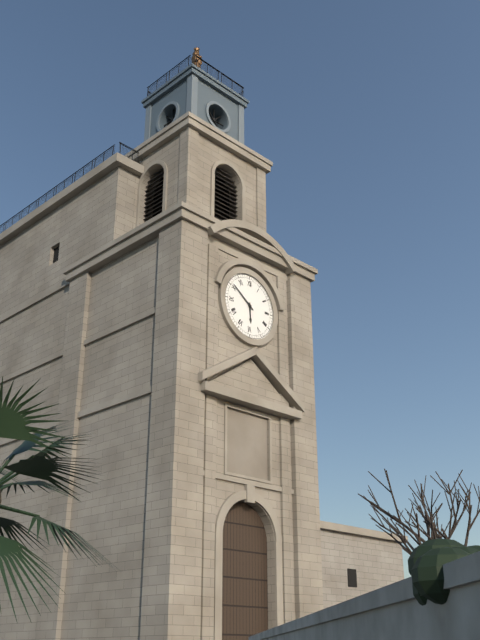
5:51
